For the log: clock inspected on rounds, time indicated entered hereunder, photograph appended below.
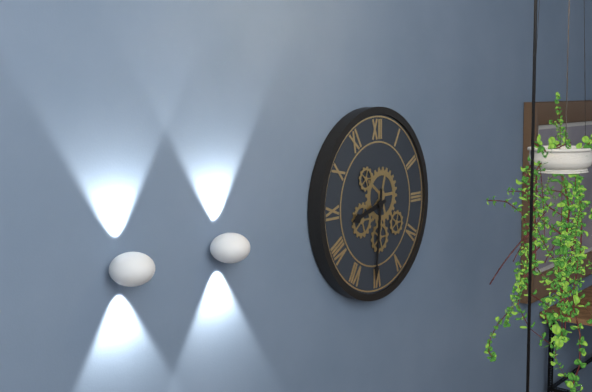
8:31
